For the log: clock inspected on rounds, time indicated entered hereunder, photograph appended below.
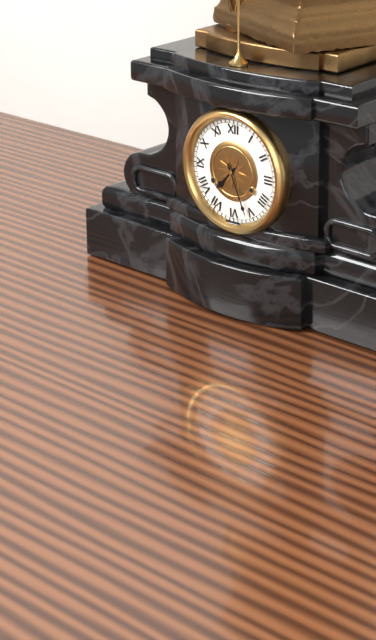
7:26
